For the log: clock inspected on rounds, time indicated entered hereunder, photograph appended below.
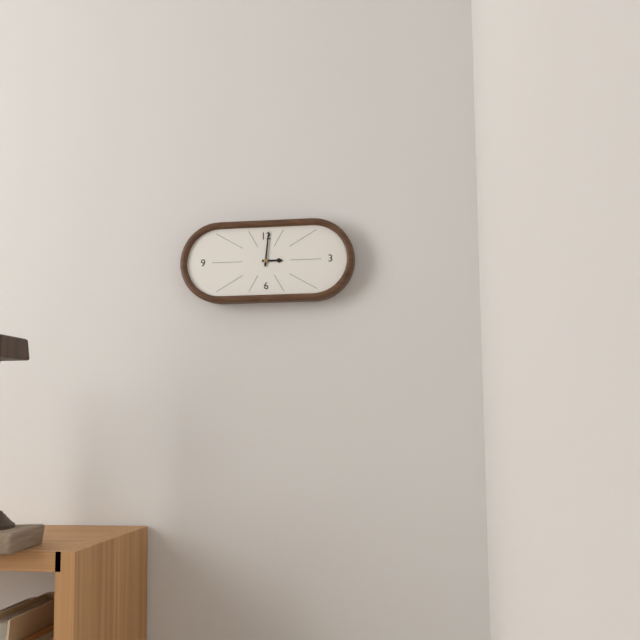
3:01
